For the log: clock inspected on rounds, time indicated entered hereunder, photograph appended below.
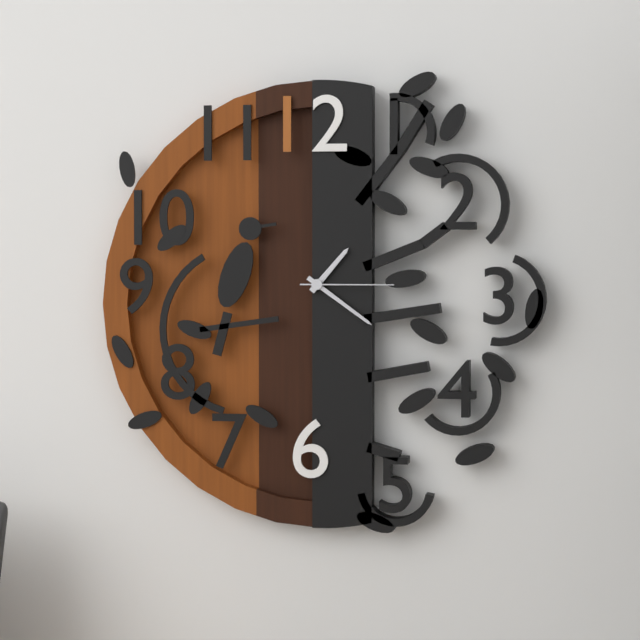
1:21:15
